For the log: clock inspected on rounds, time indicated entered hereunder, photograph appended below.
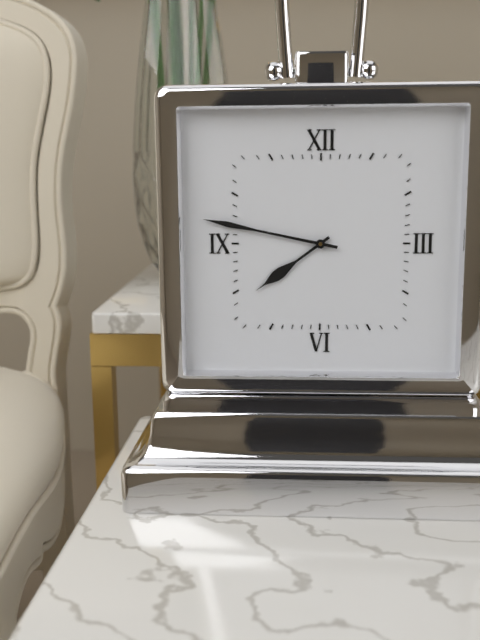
7:47
